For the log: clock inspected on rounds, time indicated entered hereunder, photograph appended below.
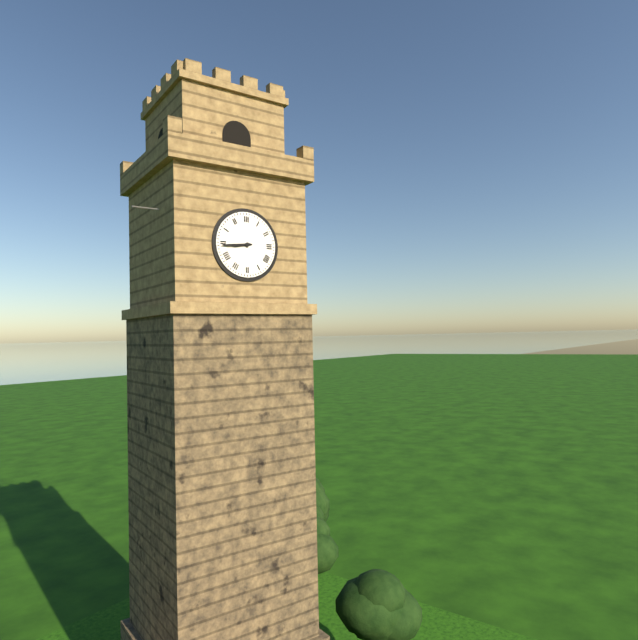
8:44
